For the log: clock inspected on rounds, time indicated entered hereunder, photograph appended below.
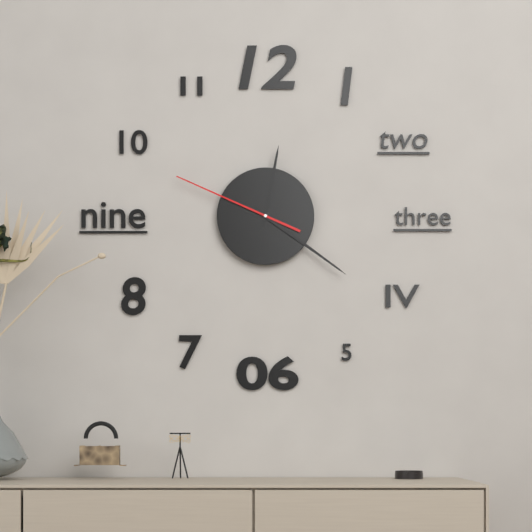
12:21:49
